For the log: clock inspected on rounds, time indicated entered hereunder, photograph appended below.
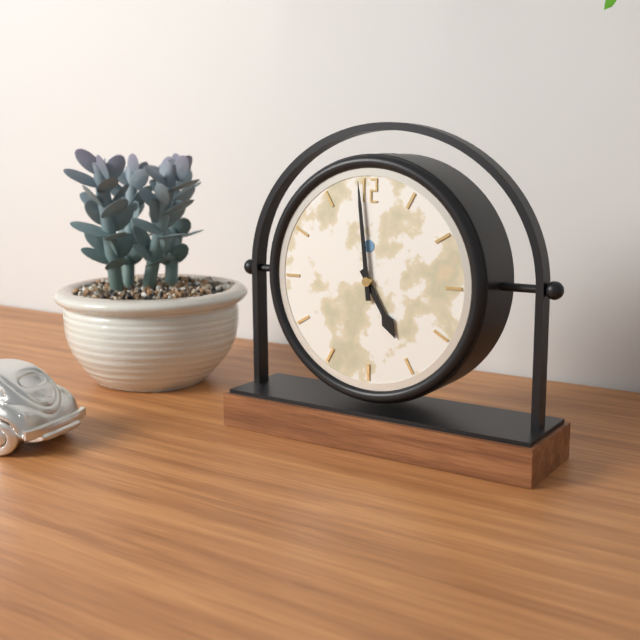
4:59
